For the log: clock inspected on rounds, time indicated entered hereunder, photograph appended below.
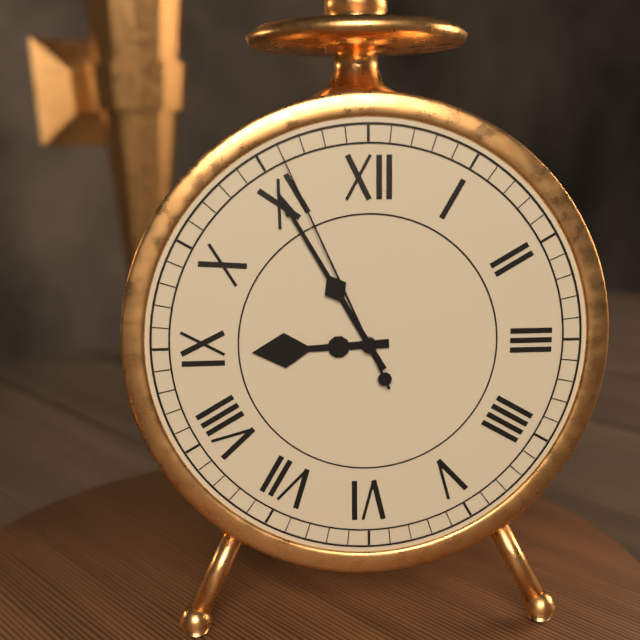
8:55:56
